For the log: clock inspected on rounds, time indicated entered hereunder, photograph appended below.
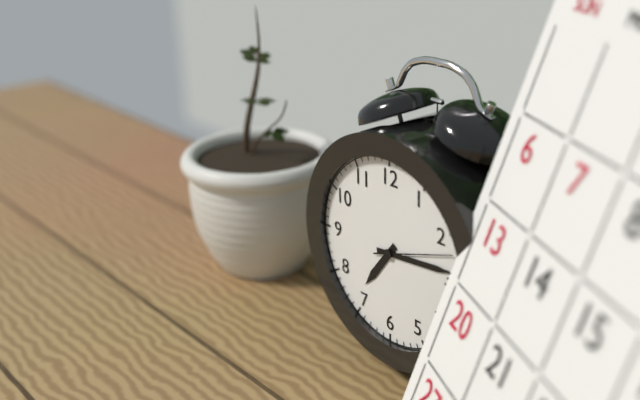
7:14:12
